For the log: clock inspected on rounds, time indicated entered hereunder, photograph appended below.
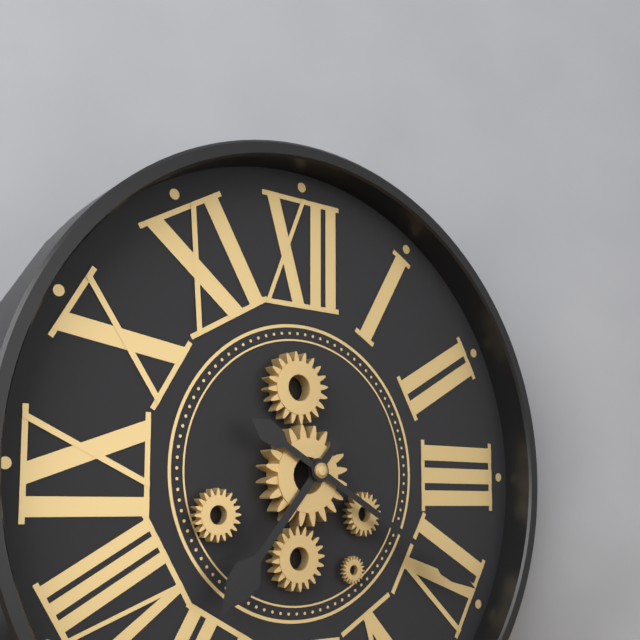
7:20
